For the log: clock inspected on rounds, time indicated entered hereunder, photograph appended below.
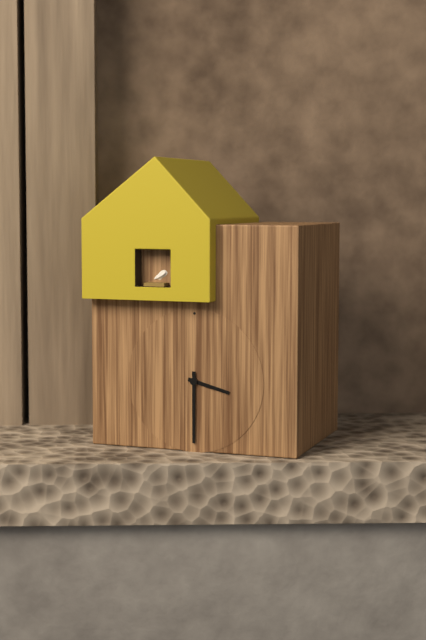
3:30
